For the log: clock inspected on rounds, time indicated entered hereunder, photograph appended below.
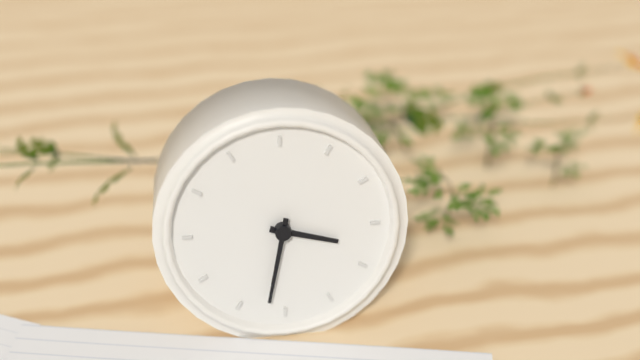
3:32
